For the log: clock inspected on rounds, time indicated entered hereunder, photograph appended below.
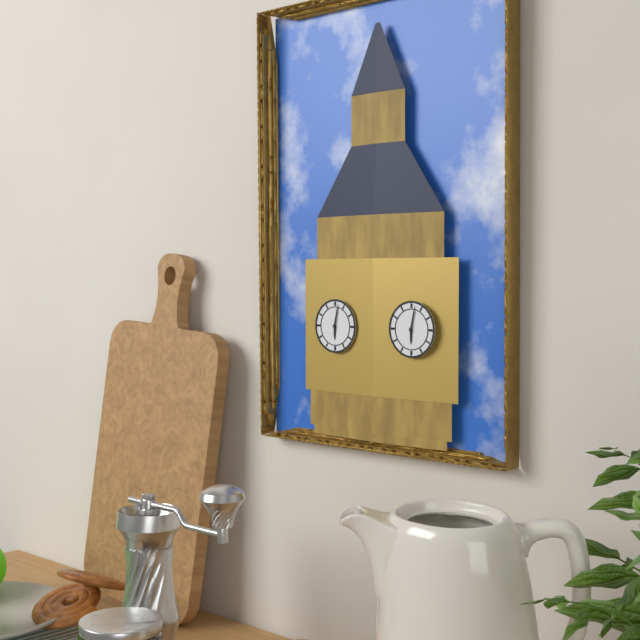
6:02
